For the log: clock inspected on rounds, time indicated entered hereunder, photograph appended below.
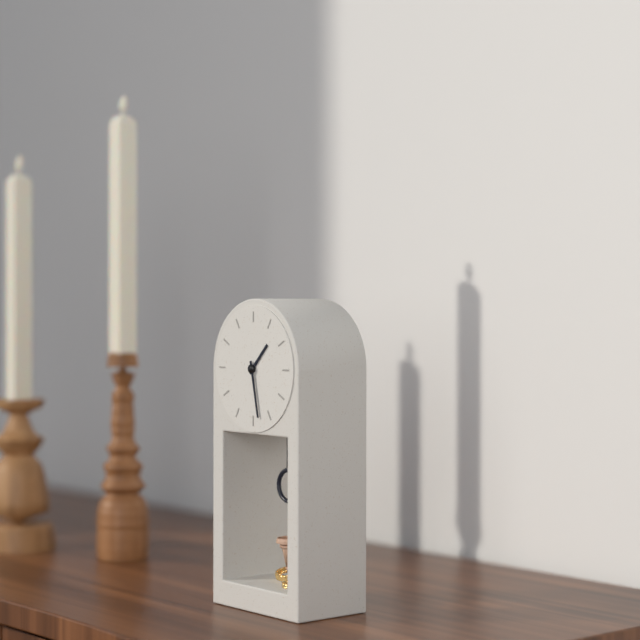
1:28
